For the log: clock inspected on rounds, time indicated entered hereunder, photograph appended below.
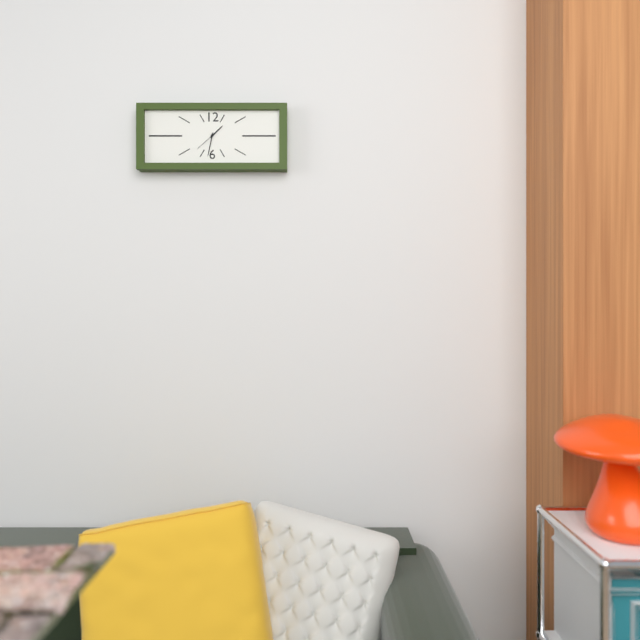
1:32
